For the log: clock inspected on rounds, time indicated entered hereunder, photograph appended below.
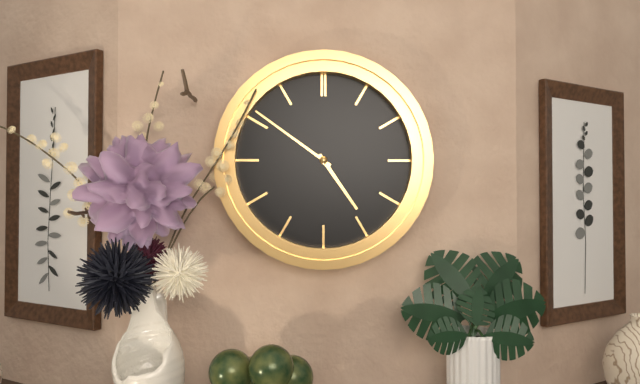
4:51
